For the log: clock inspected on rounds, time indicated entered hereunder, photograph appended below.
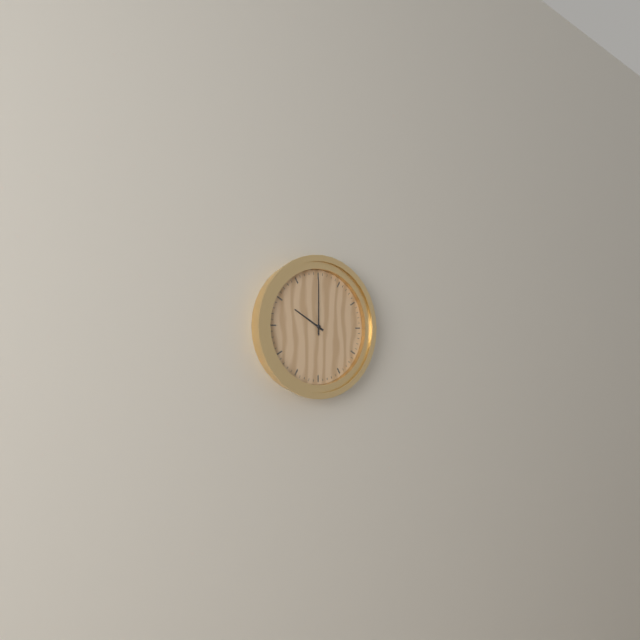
10:00
